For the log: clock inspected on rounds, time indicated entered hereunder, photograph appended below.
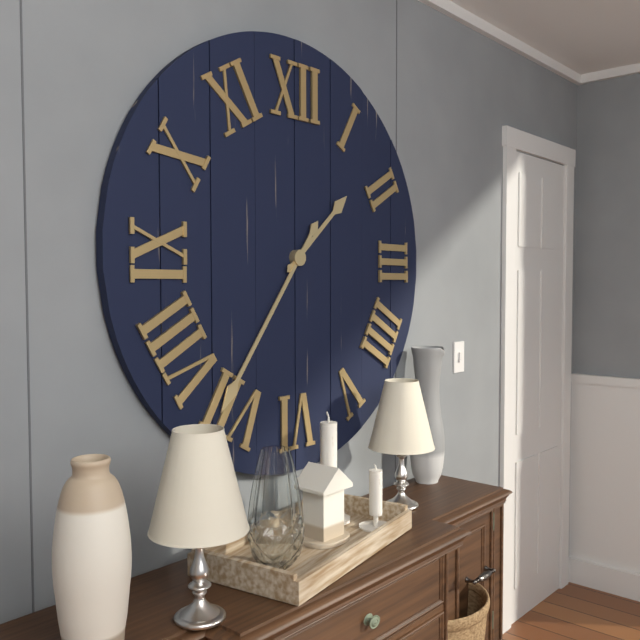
1:36
